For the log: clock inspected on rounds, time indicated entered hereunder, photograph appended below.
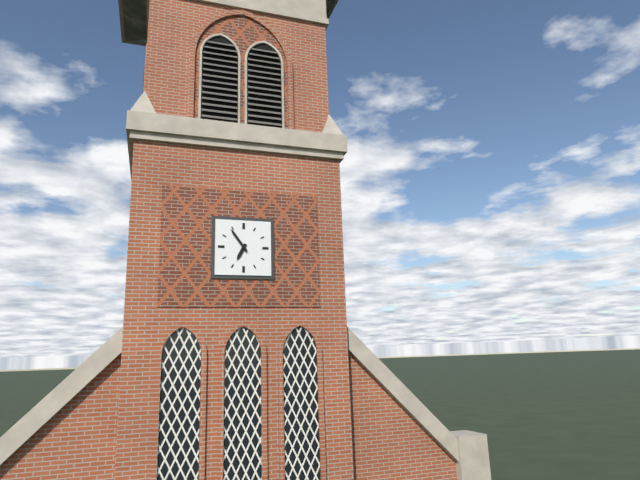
6:54
